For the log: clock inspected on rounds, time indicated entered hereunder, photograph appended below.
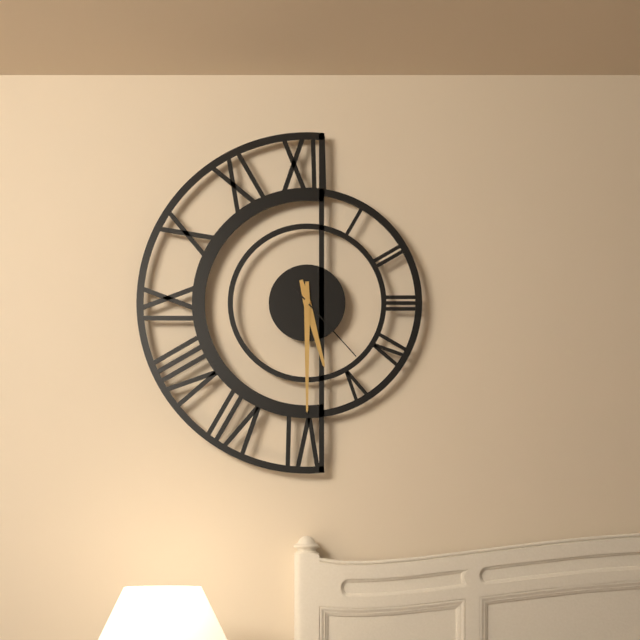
5:30:23
